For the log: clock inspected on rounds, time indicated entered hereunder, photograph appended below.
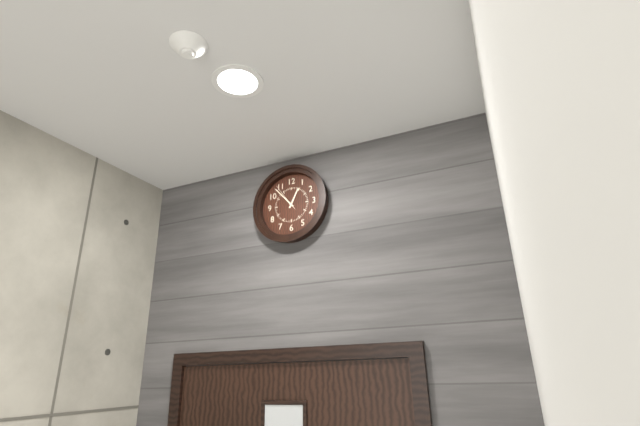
12:53
